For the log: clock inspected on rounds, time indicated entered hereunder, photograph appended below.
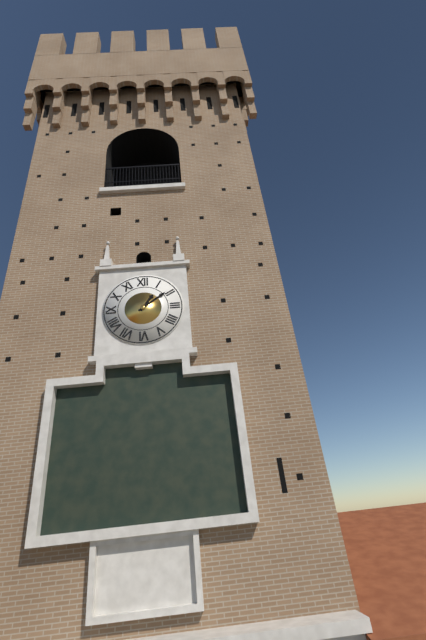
1:09
